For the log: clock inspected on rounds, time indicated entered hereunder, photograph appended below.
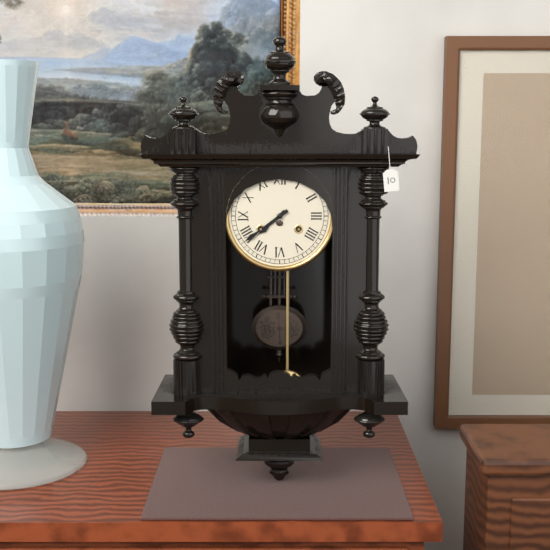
7:39
